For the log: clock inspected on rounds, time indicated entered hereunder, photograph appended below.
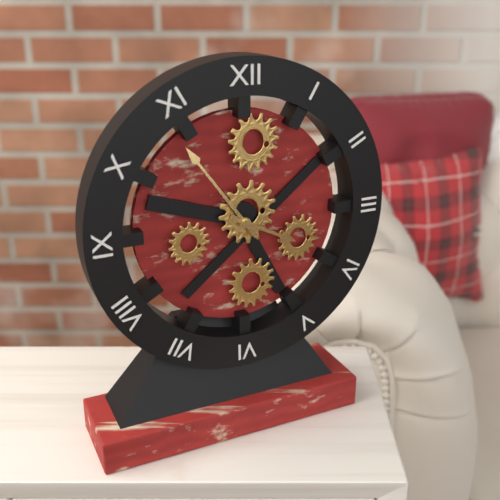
3:54
